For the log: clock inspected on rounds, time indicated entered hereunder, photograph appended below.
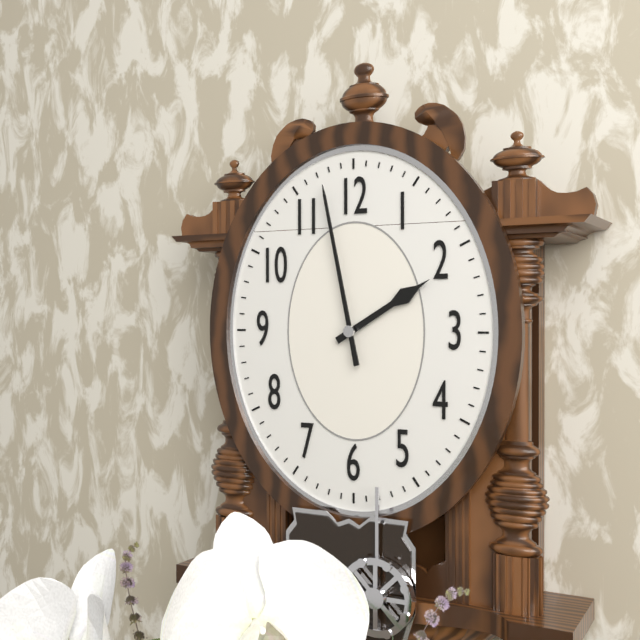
1:58
